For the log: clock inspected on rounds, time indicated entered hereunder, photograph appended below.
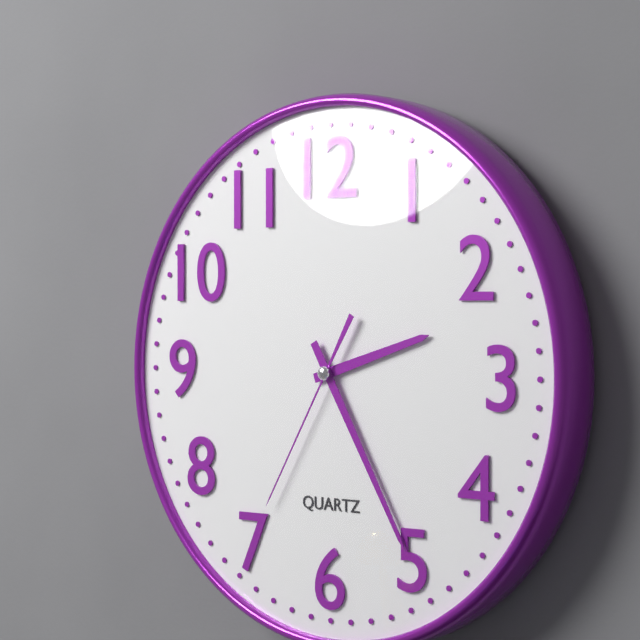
2:25:35
